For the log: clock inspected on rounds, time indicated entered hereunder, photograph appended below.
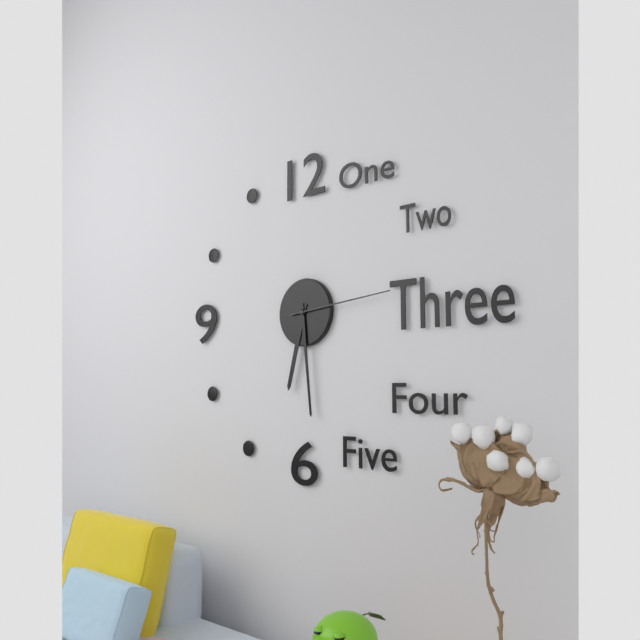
6:29:14
